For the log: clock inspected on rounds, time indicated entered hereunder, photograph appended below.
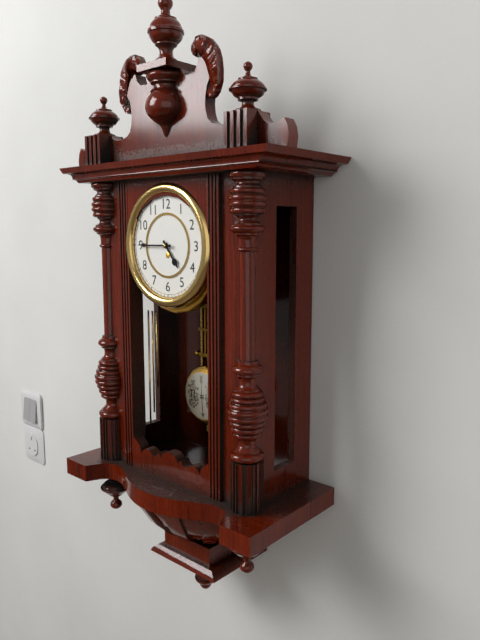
4:45
